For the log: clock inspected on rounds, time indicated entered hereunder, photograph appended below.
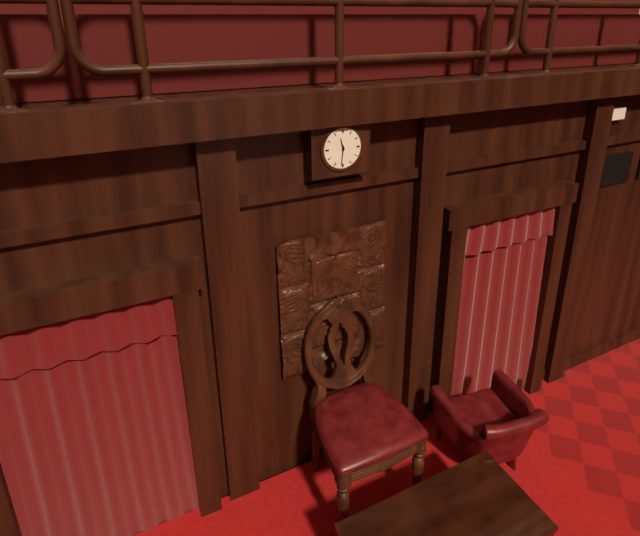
11:31
